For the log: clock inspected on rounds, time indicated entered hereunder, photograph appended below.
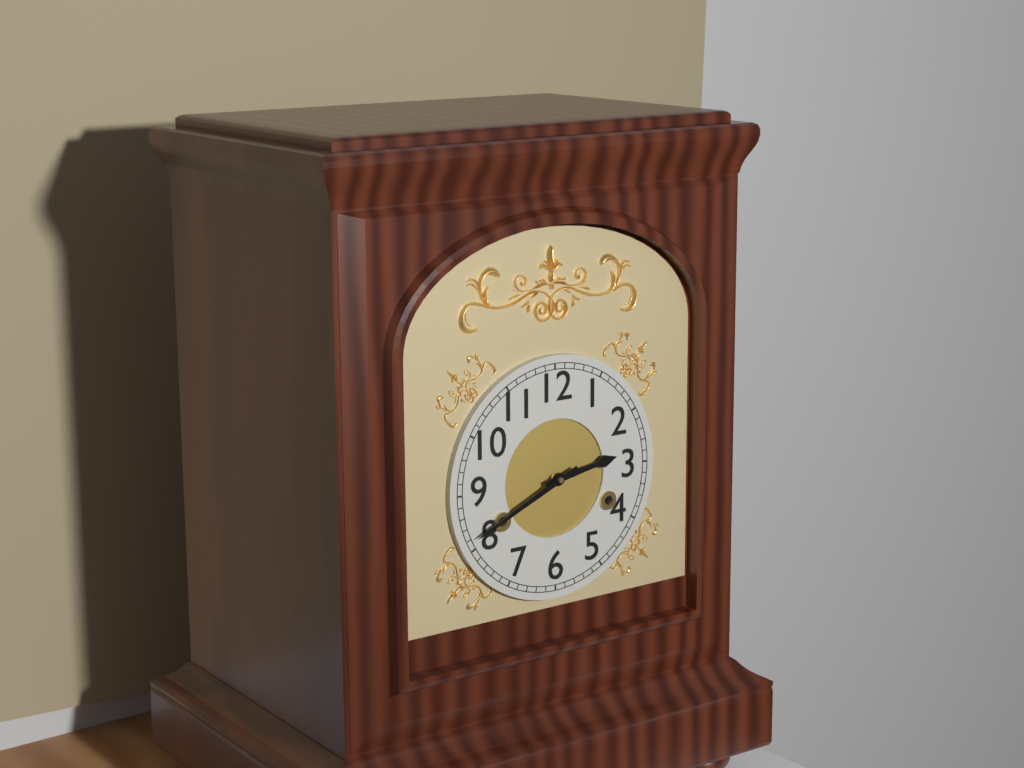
2:41
